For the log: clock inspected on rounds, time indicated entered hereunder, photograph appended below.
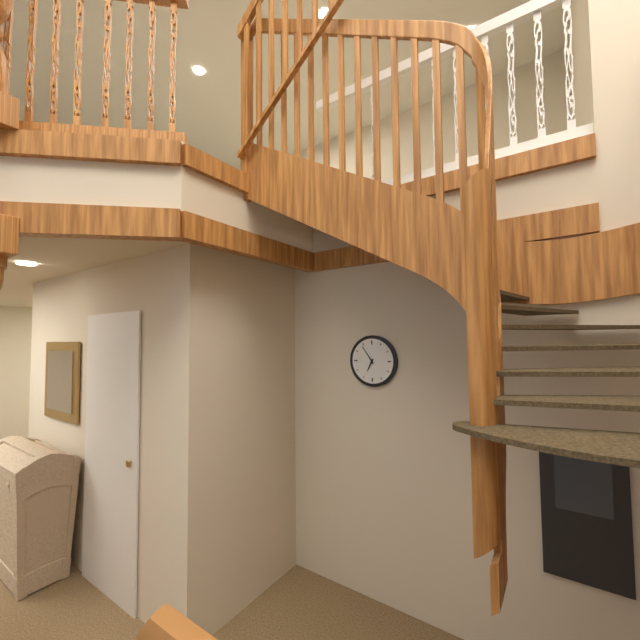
6:54
